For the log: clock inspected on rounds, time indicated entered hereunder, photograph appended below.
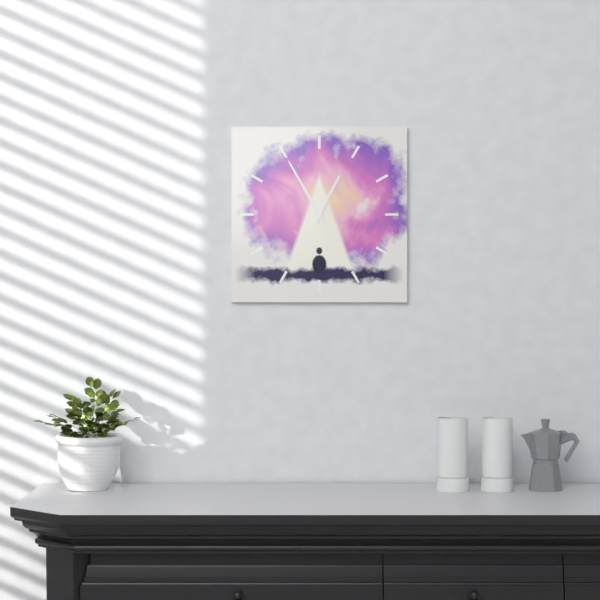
12:55
